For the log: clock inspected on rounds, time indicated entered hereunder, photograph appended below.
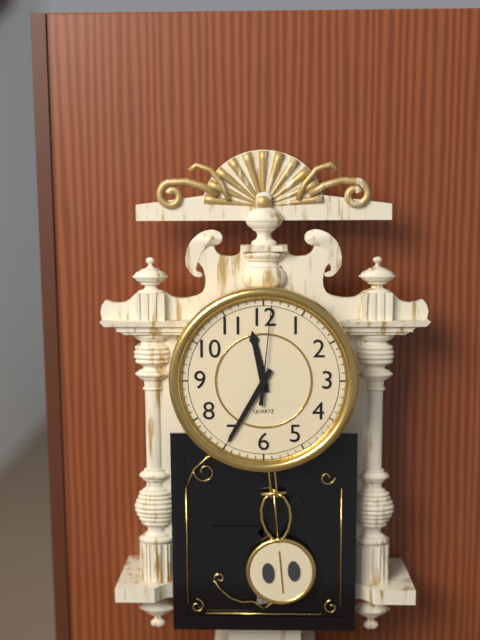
11:35:01
